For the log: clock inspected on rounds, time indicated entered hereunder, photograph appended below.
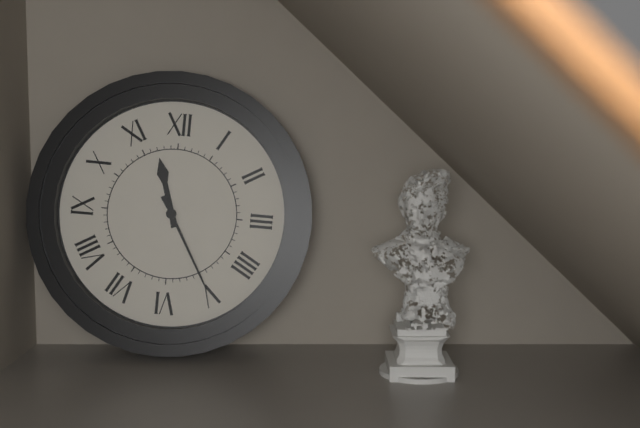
11:25
